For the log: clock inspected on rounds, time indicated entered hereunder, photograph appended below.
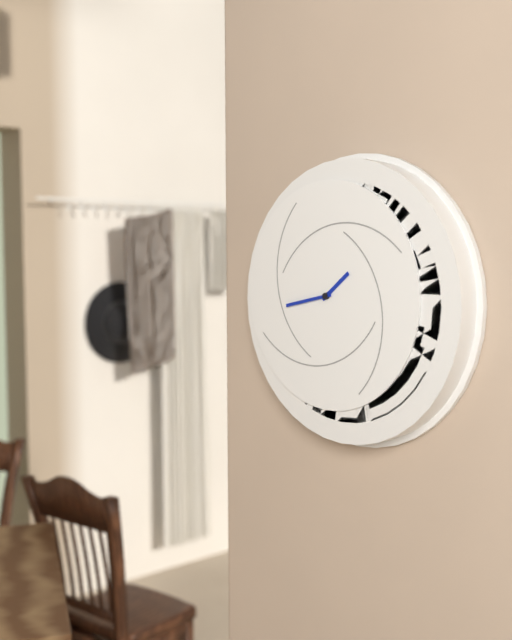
1:43
